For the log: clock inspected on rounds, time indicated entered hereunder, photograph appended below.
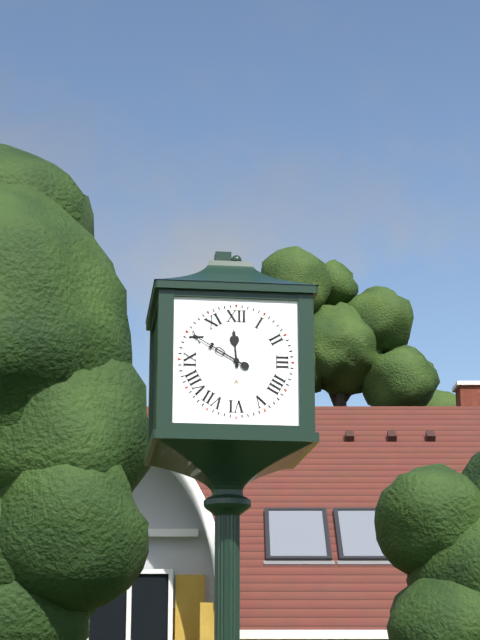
11:50
